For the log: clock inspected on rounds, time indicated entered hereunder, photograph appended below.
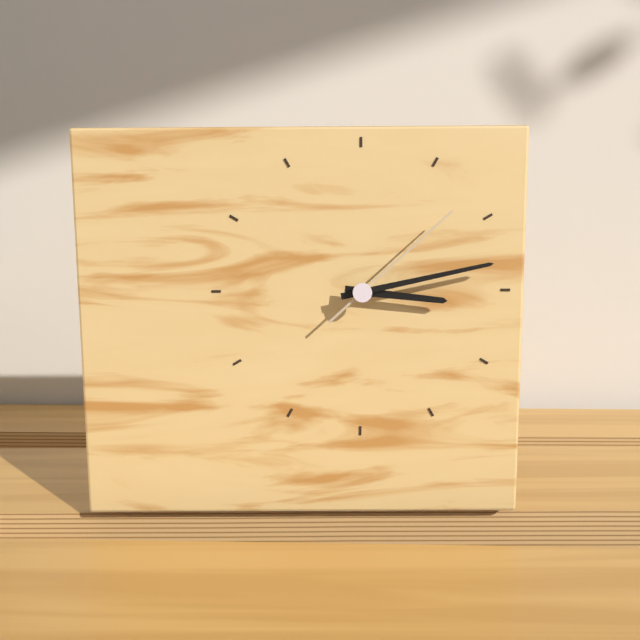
3:13:08
